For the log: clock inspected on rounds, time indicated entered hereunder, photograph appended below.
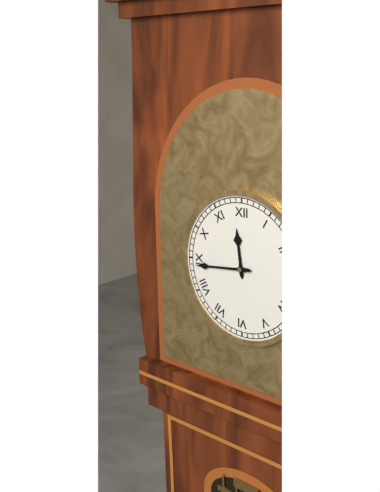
11:44
